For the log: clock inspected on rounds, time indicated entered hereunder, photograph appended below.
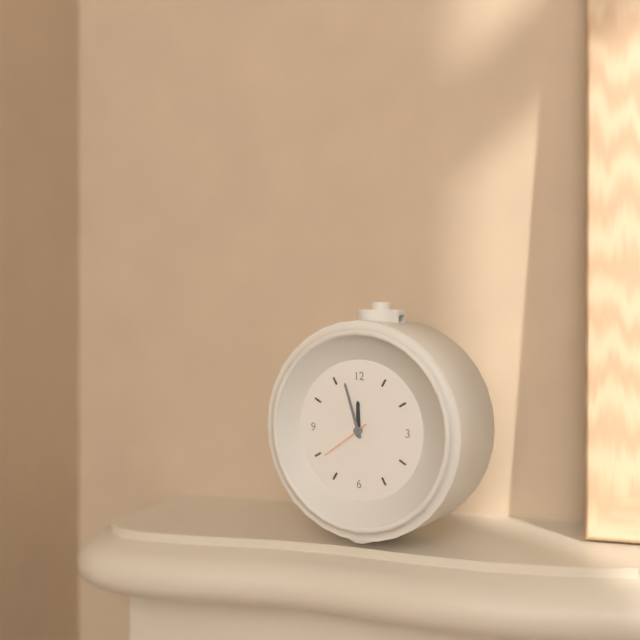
11:57
